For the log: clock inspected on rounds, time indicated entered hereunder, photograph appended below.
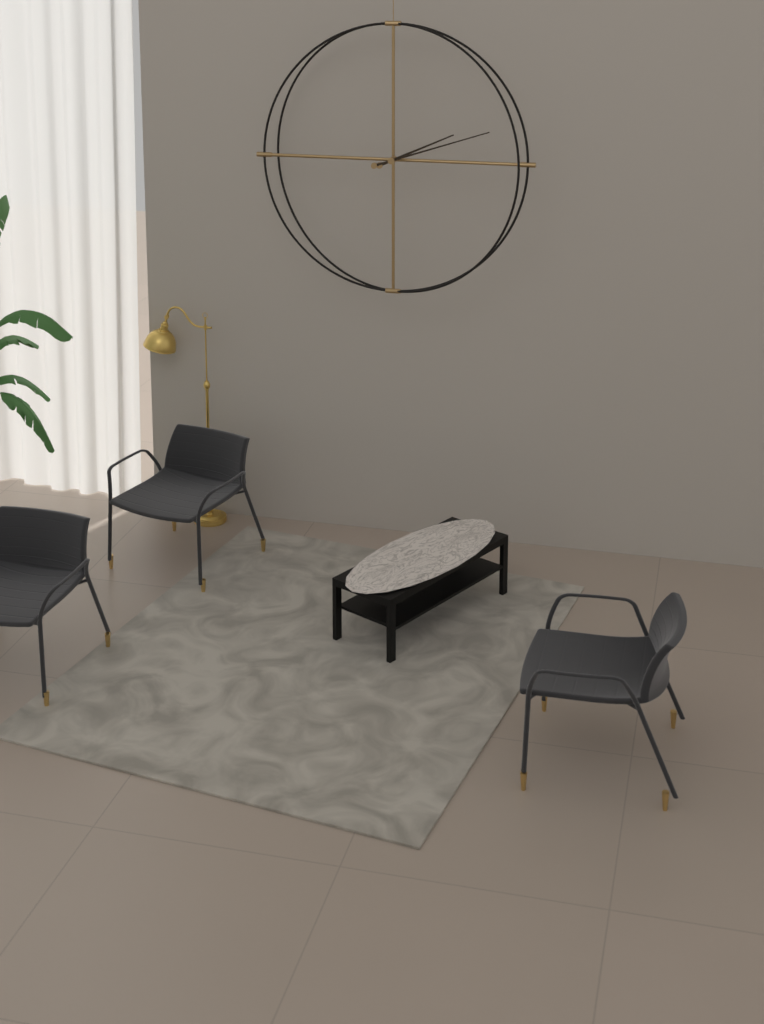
2:12
